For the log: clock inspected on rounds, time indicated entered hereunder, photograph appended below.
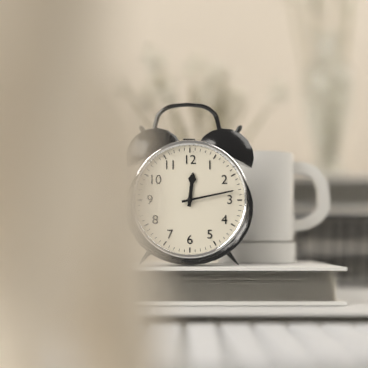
12:13
